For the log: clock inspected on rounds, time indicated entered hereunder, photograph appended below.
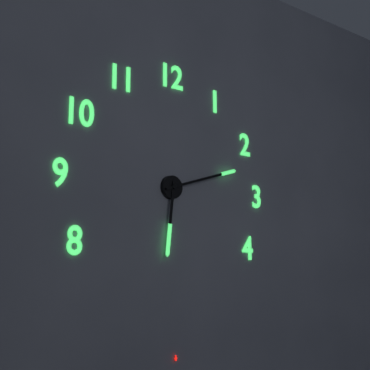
6:12
